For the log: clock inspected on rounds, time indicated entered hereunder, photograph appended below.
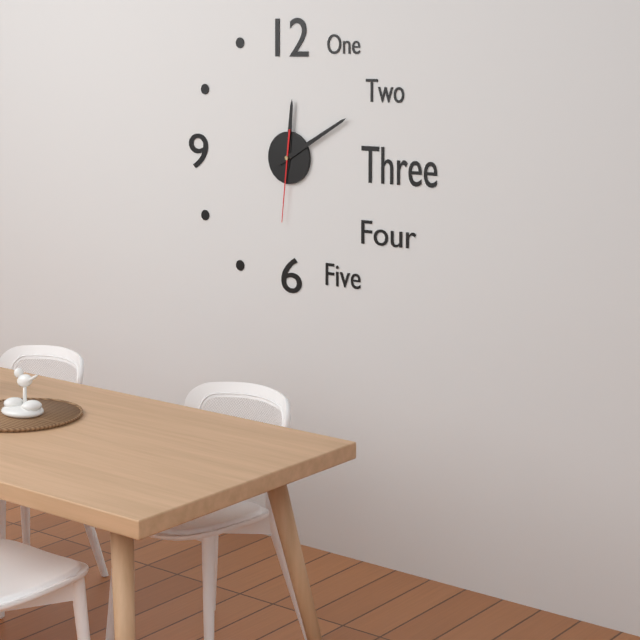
12:10:31
